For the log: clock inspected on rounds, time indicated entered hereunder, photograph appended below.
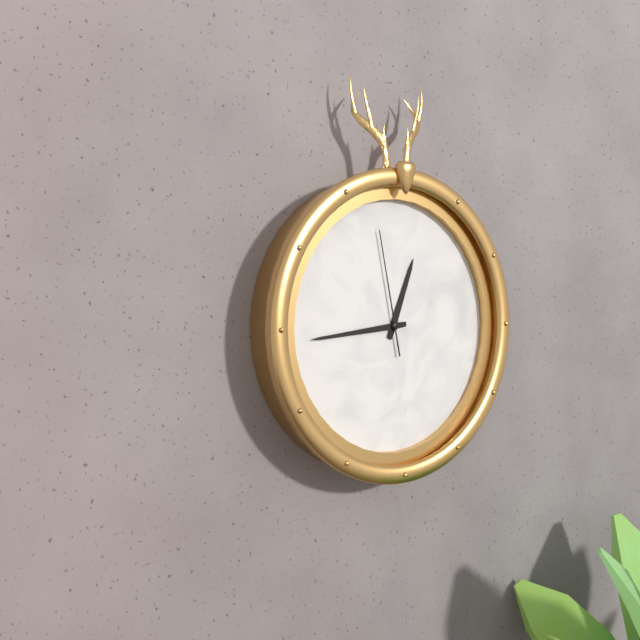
12:44:58
